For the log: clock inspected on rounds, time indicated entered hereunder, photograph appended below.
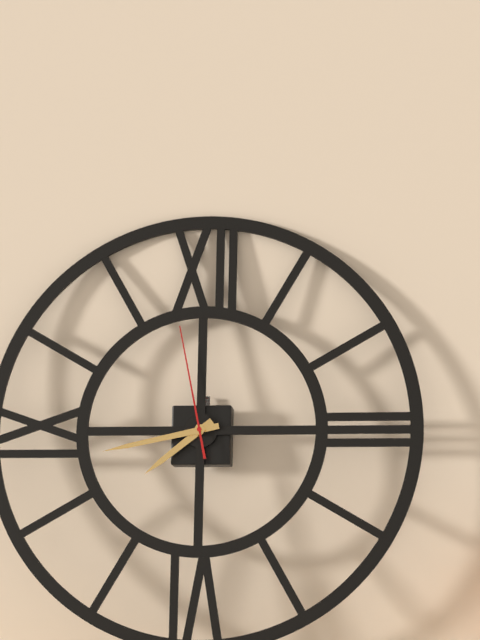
7:43:58
